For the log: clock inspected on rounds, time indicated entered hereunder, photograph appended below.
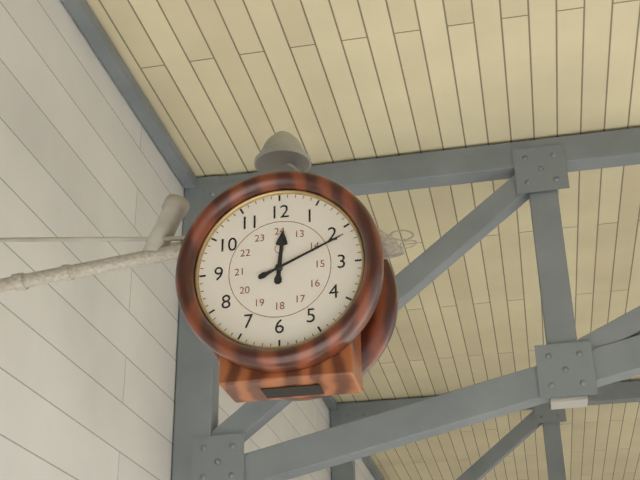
12:11
